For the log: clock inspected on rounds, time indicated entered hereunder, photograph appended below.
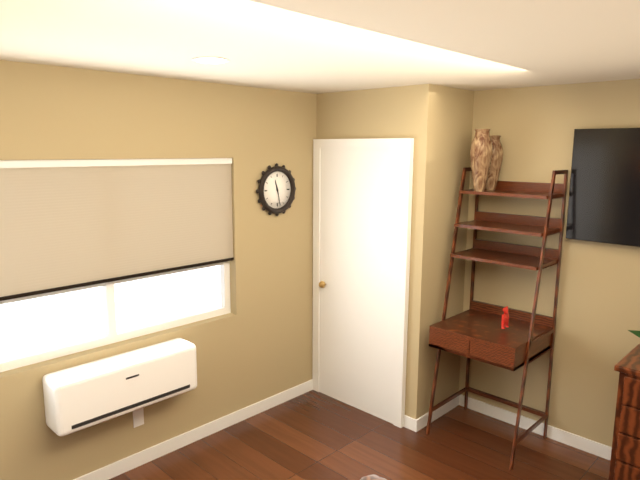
11:28
